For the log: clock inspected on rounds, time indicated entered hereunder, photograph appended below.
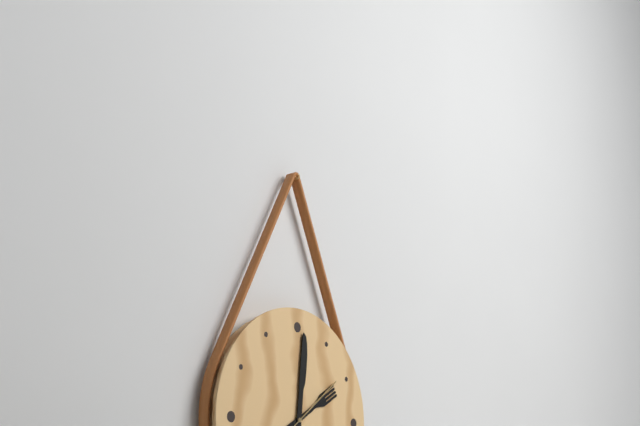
2:01:09
